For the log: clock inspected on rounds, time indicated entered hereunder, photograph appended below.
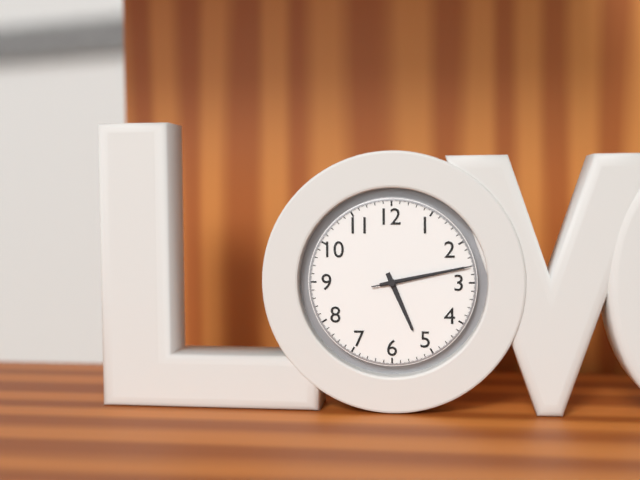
5:13:13
